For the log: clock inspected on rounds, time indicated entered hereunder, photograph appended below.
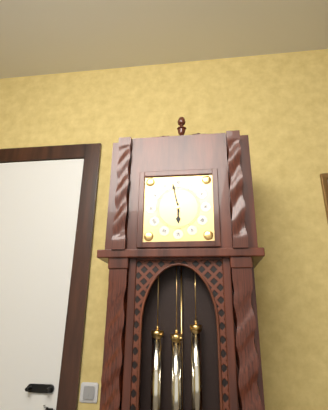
5:58
